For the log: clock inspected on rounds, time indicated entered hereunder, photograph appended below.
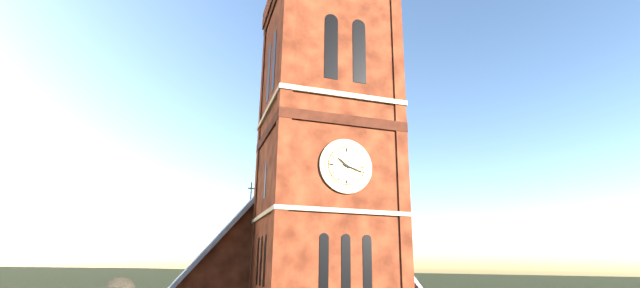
10:18
